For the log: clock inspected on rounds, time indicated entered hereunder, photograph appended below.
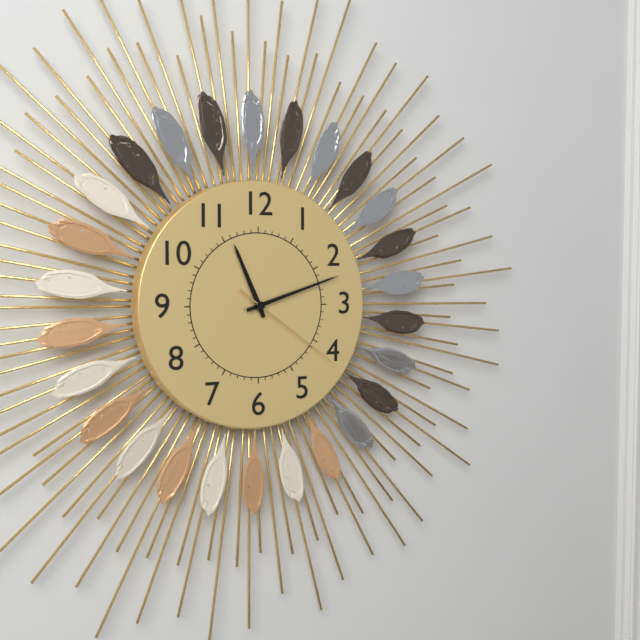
11:12:21
